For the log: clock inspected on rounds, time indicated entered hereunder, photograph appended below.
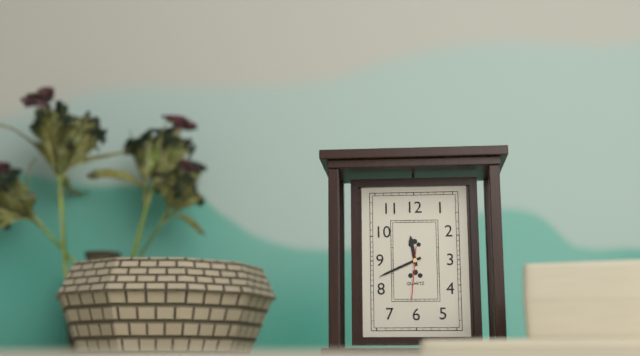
11:41:31
